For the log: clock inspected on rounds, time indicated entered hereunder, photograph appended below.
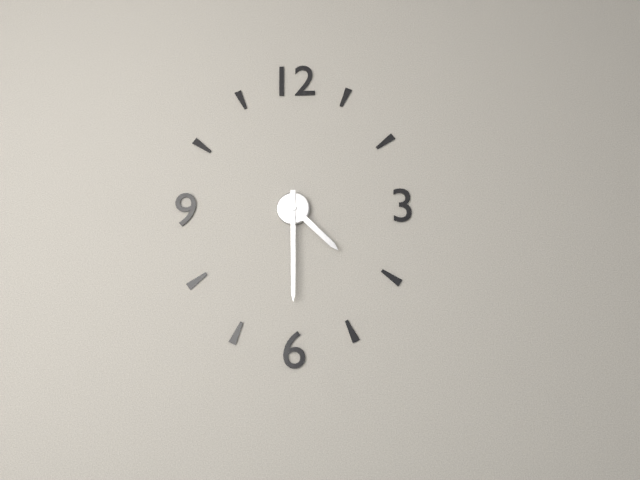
4:30
